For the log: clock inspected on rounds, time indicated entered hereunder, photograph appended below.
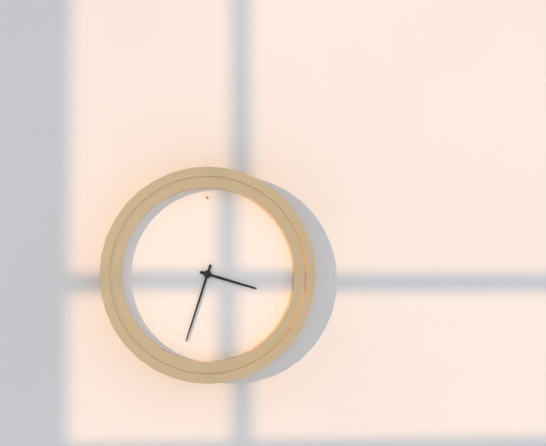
3:33
